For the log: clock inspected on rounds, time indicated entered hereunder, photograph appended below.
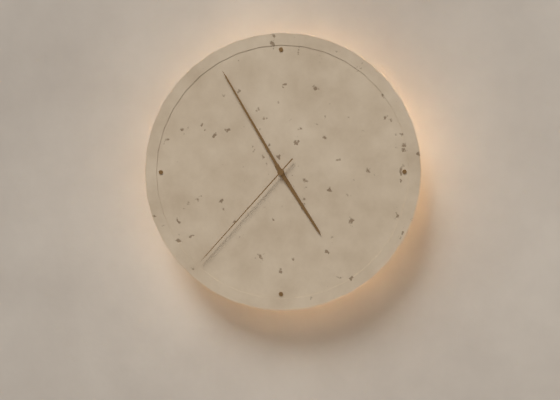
4:55:37
